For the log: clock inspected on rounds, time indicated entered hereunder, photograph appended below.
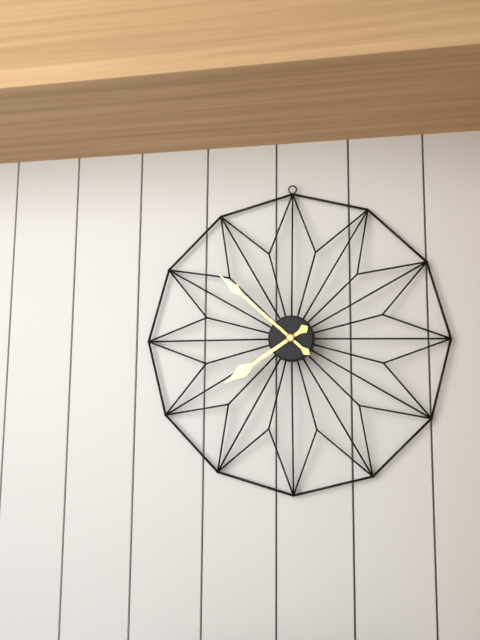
7:52
